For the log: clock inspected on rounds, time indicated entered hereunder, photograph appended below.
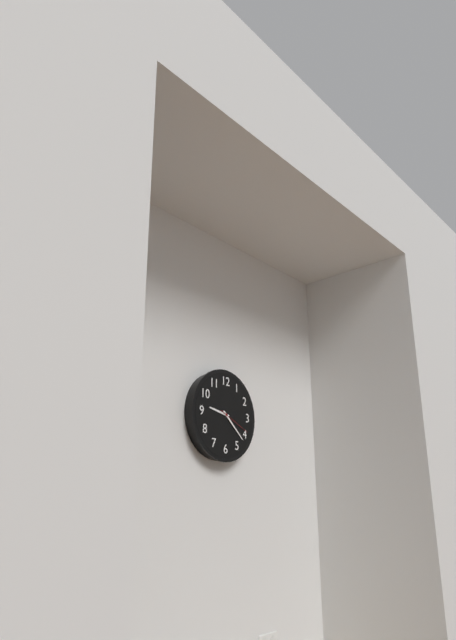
9:22
